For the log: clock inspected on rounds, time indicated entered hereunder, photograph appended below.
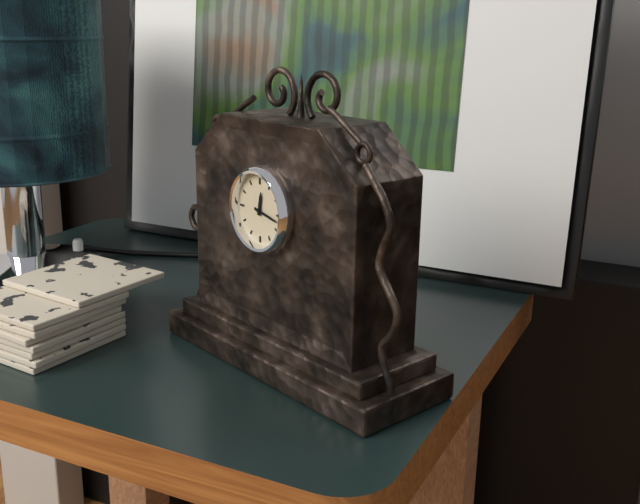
12:17
